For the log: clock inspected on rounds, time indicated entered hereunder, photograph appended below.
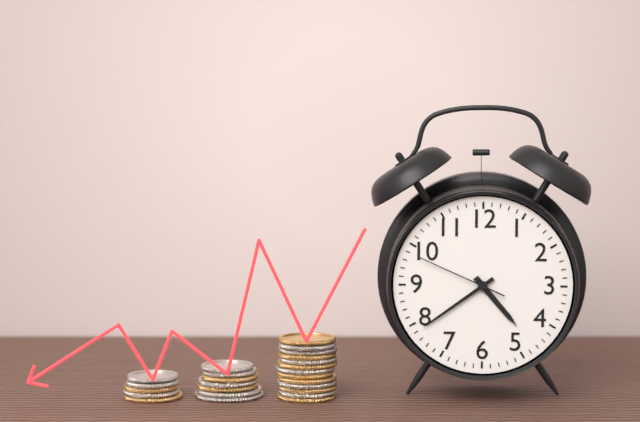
4:39:49
